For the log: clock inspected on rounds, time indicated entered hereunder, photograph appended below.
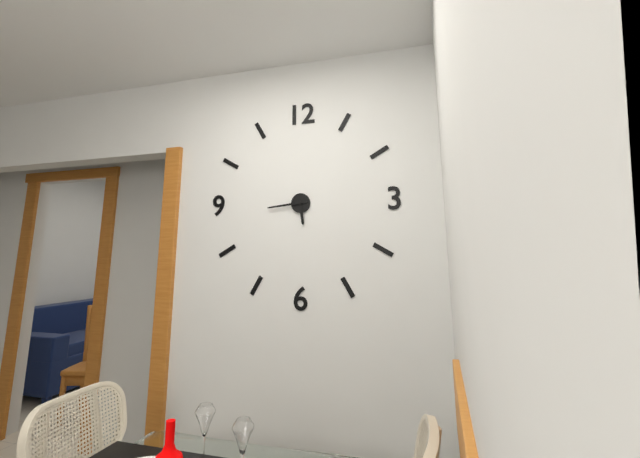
5:44
